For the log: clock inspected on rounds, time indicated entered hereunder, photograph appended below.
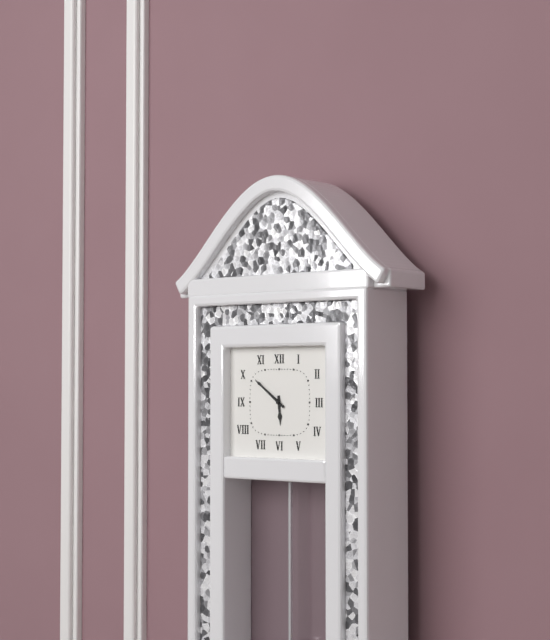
5:51
